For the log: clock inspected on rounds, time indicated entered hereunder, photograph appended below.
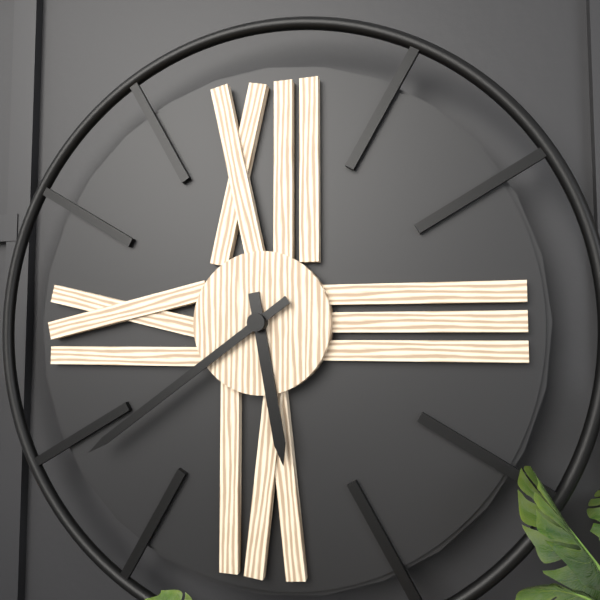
5:39
